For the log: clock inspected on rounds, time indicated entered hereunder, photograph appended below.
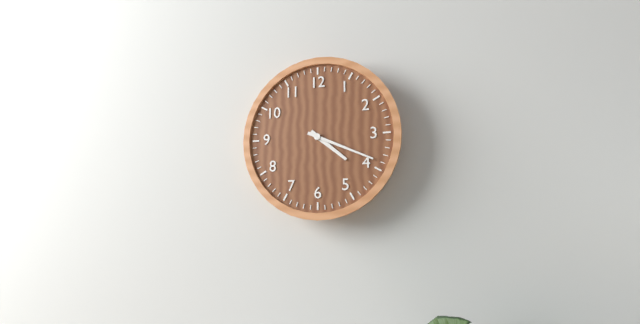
4:19
